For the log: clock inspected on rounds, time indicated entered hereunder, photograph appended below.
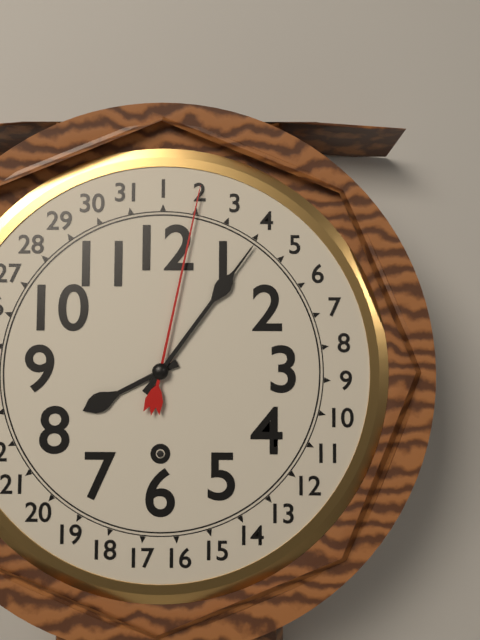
8:06
